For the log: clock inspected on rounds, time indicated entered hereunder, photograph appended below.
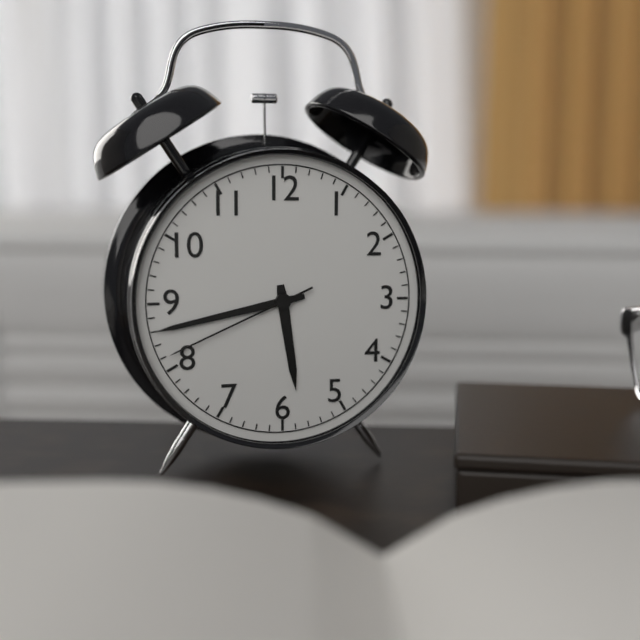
5:43:41
